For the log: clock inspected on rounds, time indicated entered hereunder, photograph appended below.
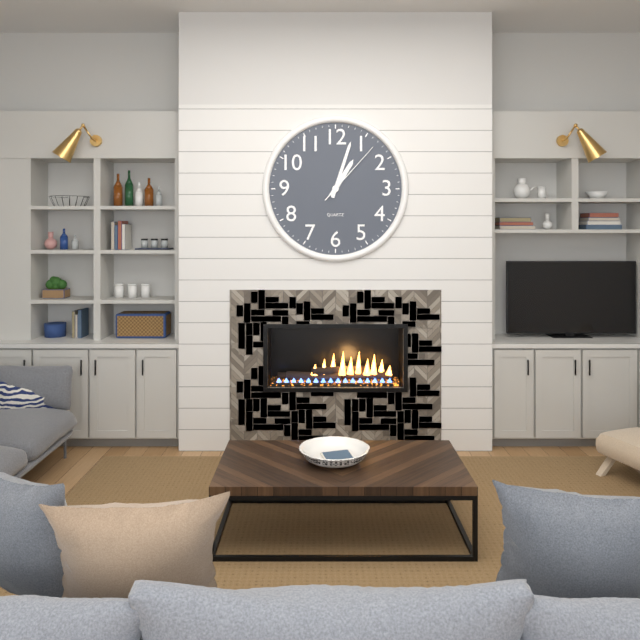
1:03:07
